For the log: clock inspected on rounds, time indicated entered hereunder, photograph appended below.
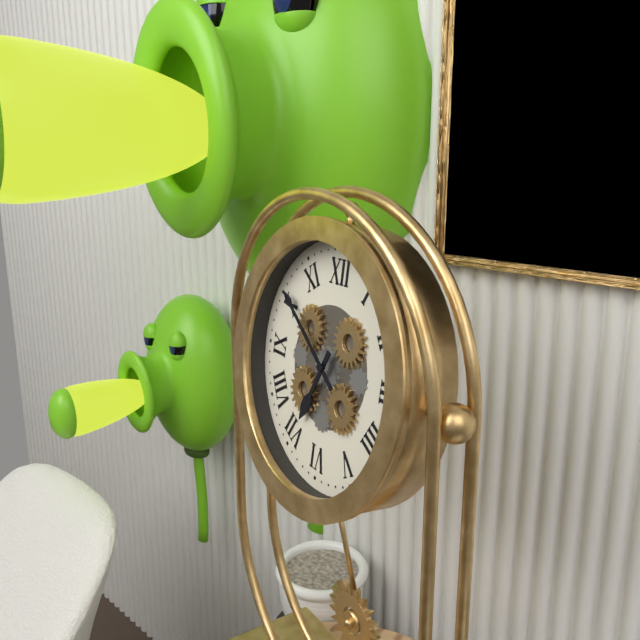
6:51
